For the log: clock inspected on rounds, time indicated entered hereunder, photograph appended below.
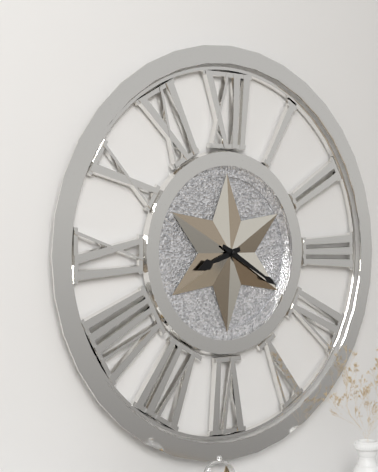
8:20
